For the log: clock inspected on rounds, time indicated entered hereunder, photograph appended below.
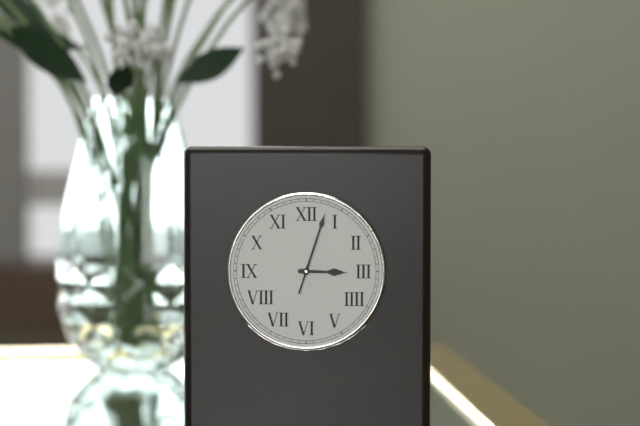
3:03
